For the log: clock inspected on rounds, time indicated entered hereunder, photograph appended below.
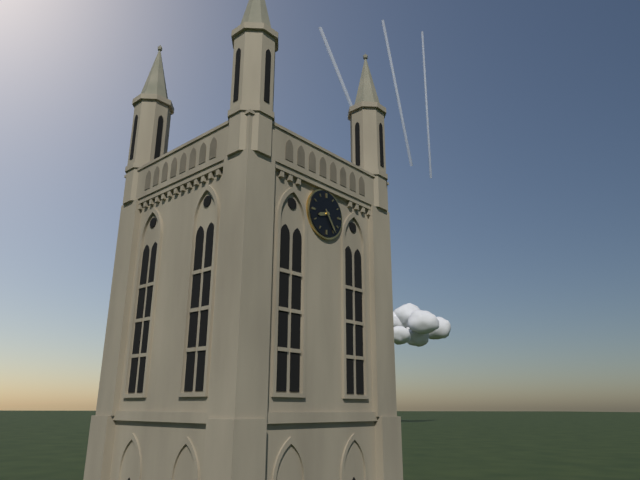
8:24
